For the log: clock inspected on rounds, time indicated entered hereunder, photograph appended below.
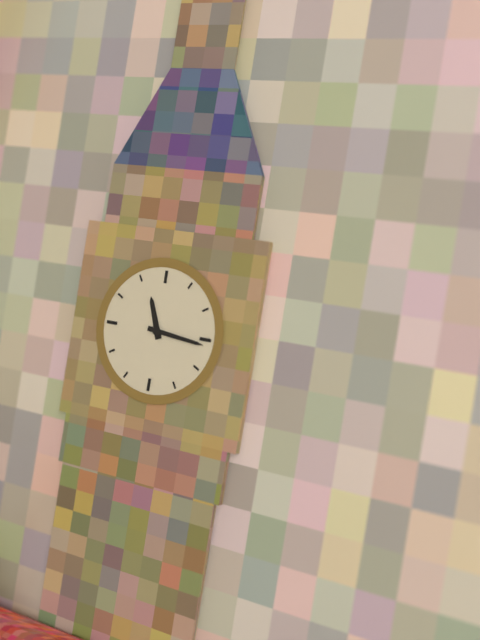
11:16
